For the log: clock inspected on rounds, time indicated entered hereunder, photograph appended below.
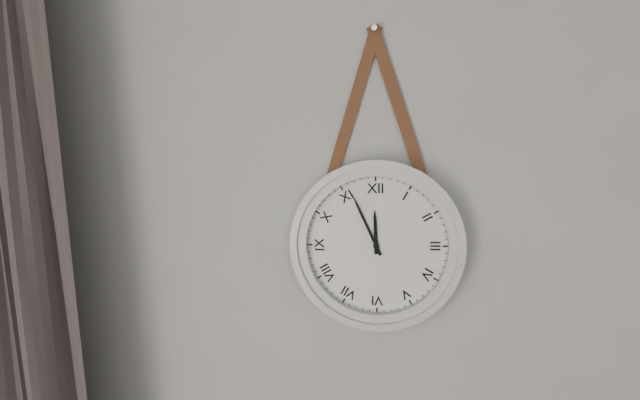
11:56
